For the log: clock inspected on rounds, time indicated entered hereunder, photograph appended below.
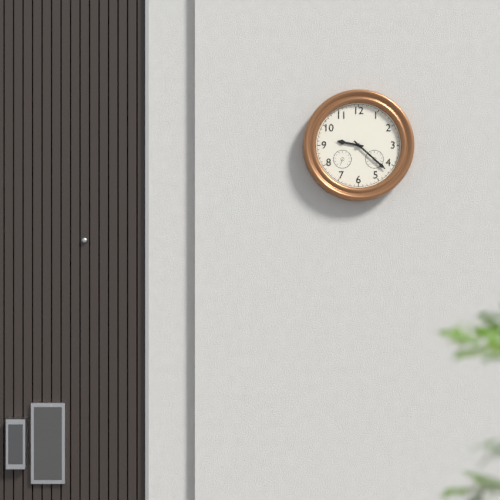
9:22
